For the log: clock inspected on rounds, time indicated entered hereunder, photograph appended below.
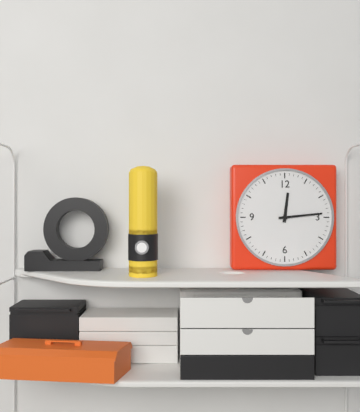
12:14
